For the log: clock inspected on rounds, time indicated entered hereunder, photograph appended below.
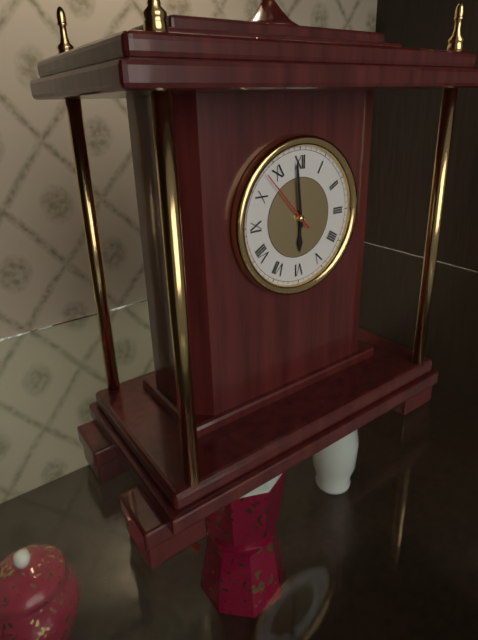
5:59:53
